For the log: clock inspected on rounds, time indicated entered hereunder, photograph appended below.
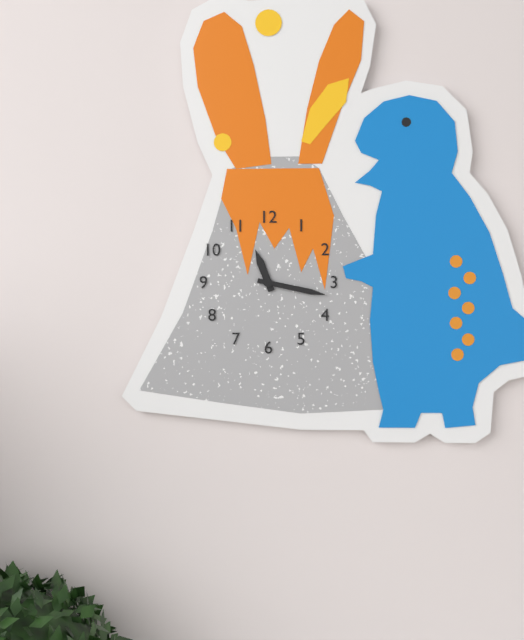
11:17
